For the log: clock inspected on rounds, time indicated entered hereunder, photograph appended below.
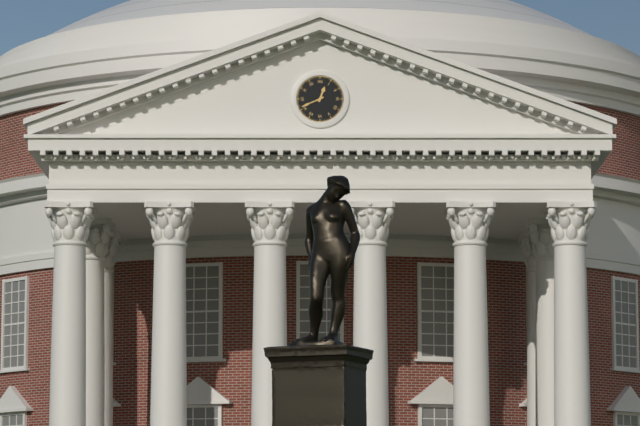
12:41
